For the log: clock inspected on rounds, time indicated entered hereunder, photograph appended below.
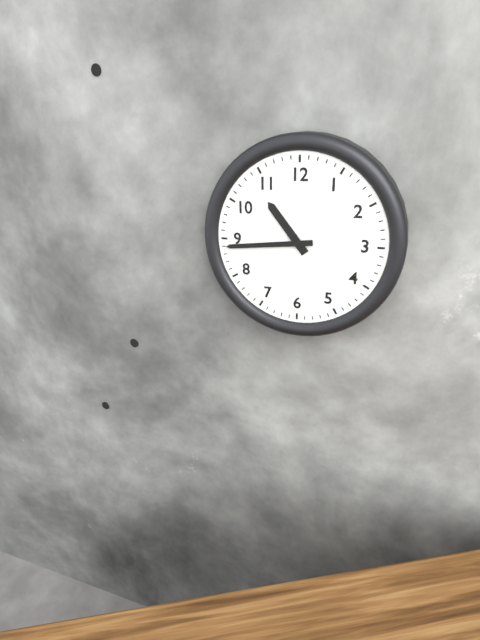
10:44
